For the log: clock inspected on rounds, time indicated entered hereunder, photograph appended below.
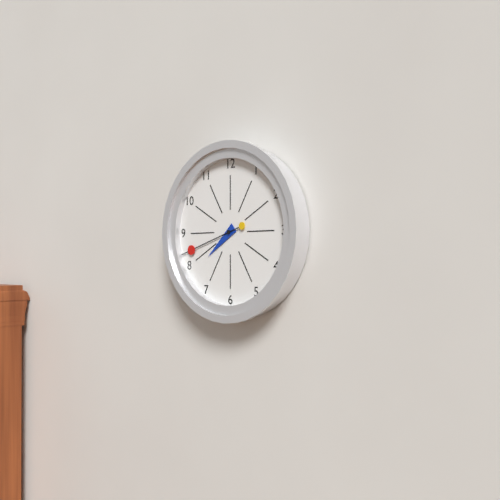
7:42
